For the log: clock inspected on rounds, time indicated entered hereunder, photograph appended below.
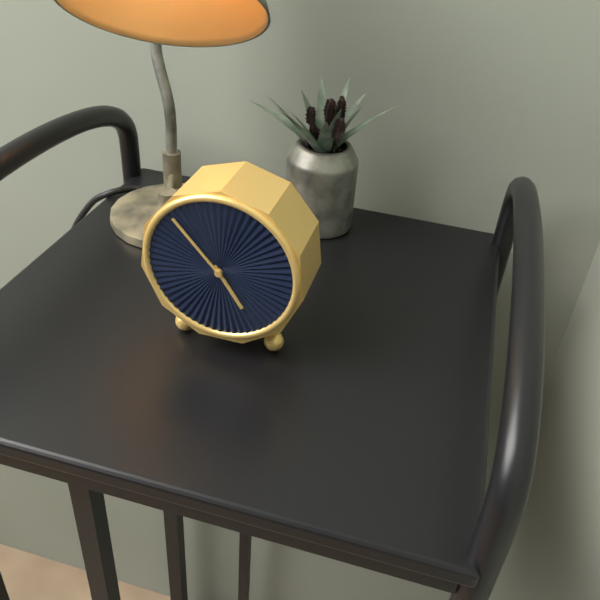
4:53
